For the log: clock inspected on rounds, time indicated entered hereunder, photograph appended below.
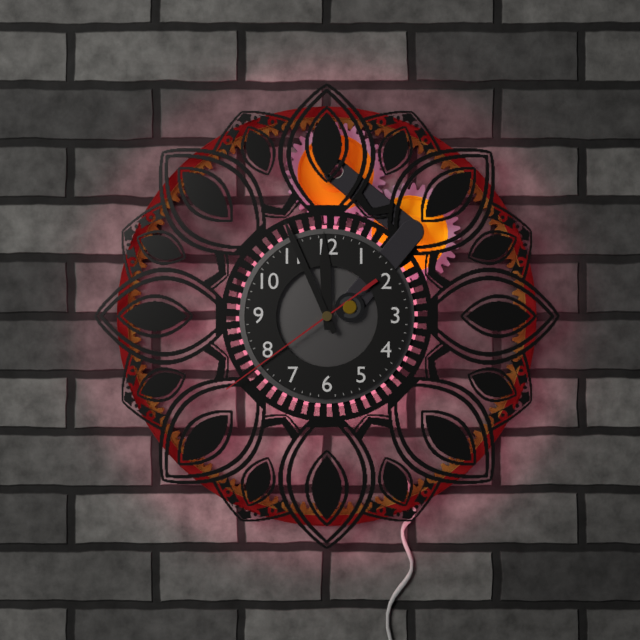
11:56:39
